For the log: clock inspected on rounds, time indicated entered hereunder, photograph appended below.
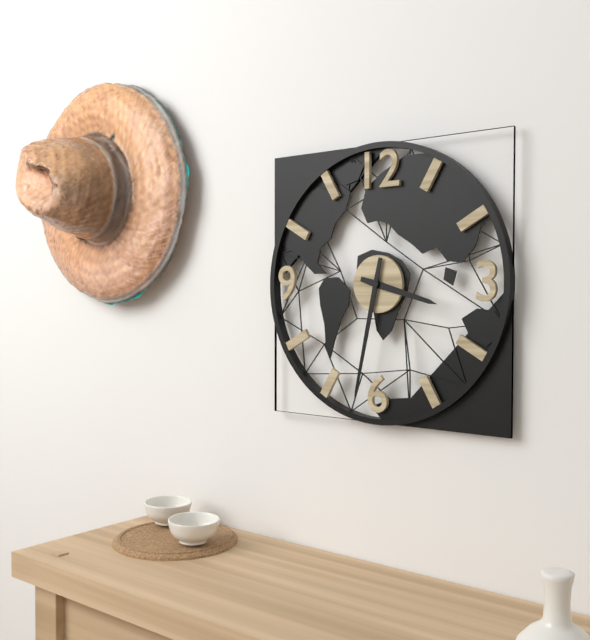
3:32
